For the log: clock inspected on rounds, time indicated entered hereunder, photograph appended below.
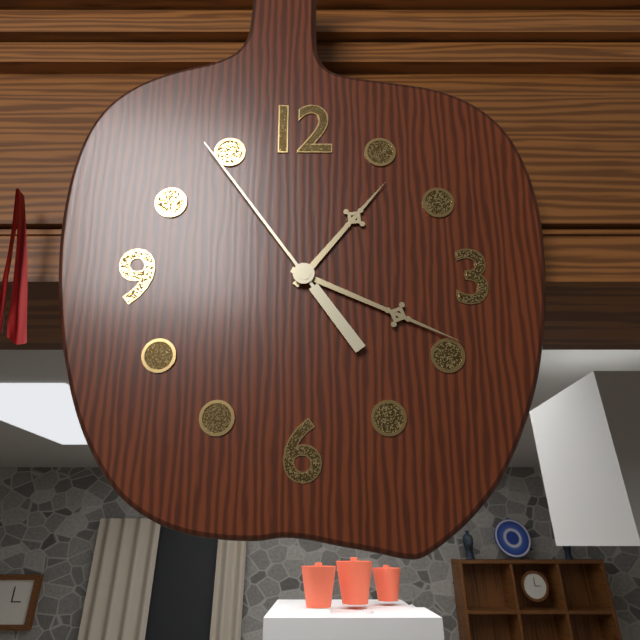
1:19:54
